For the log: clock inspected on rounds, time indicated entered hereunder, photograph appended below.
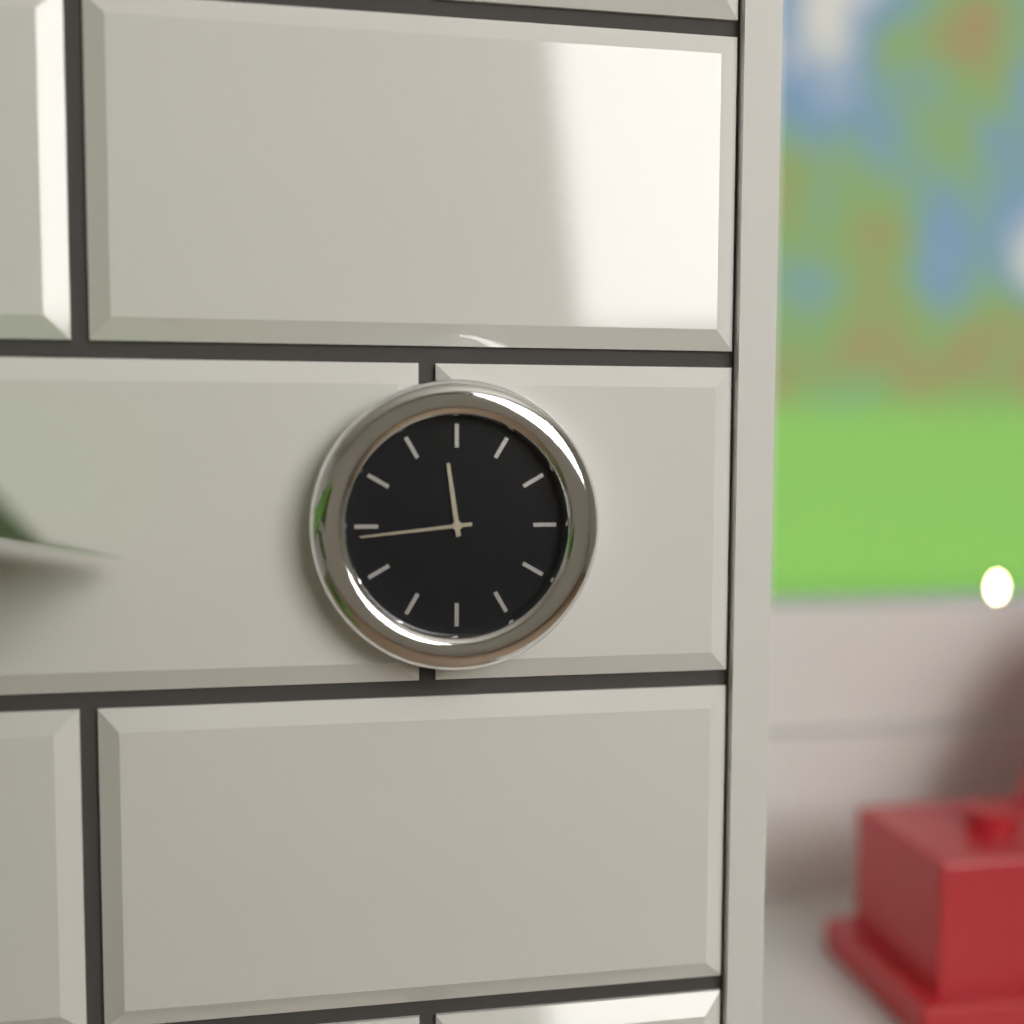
11:44
